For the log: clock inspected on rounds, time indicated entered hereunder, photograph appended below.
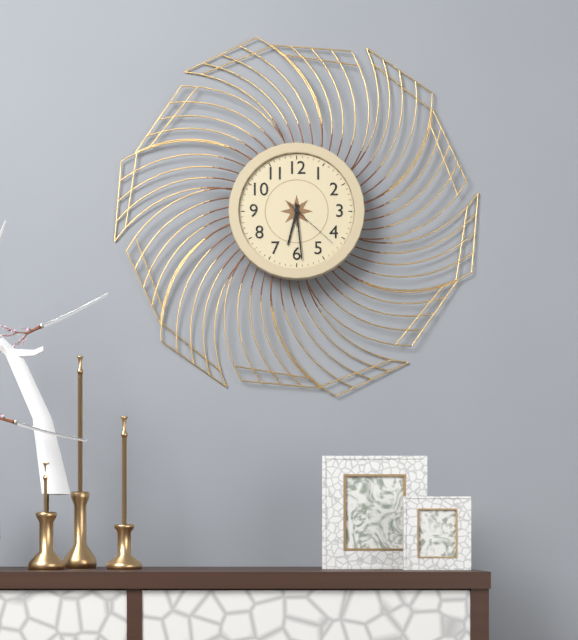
6:29:22
